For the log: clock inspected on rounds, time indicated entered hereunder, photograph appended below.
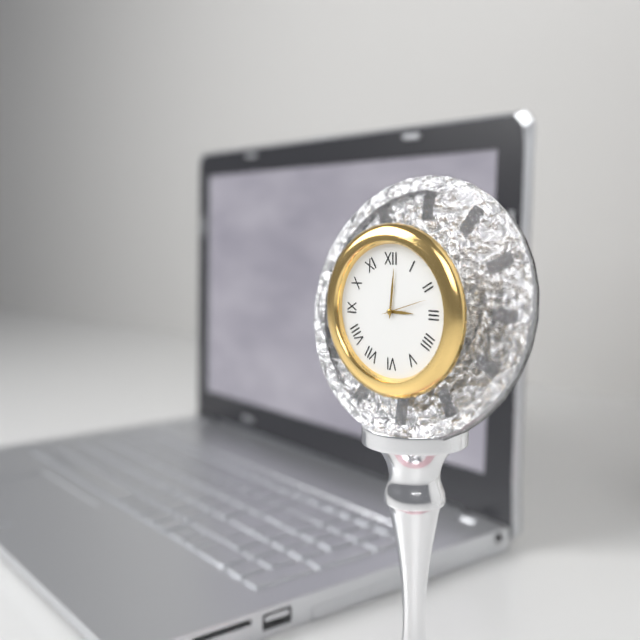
3:01
